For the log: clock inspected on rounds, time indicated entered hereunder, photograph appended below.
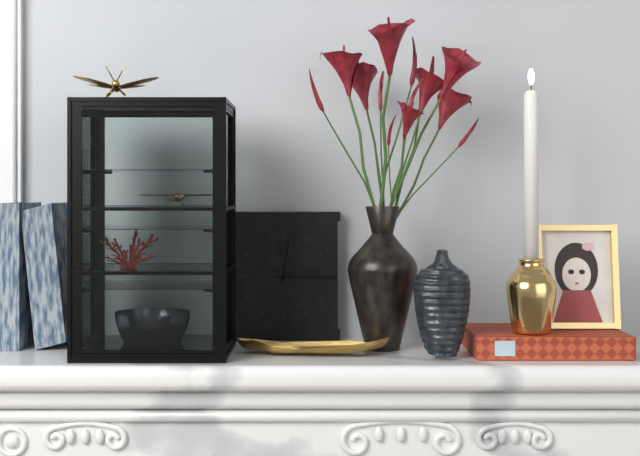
12:15
